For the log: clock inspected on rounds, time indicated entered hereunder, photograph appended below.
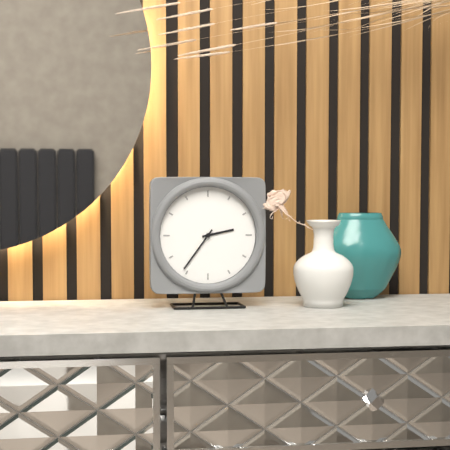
2:36
